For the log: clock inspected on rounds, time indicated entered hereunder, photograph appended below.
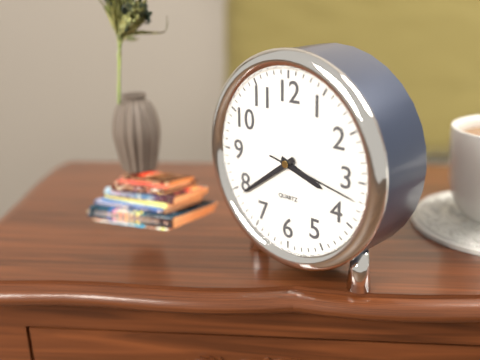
3:39:17
